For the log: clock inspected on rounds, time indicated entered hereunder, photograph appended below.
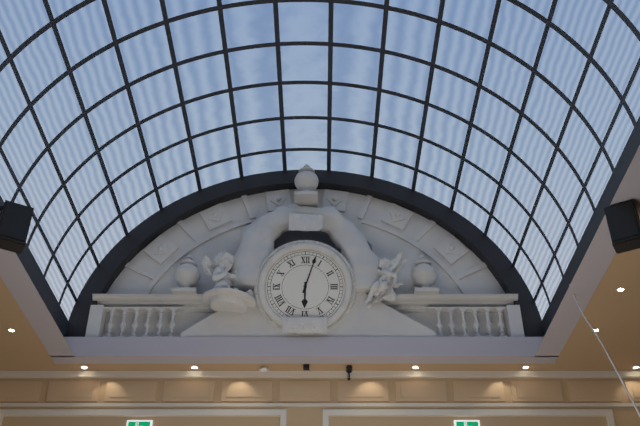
6:03
